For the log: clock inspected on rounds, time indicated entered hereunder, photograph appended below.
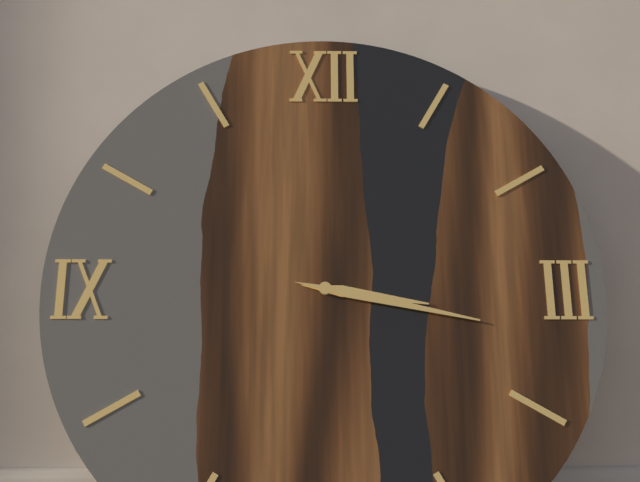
3:17
